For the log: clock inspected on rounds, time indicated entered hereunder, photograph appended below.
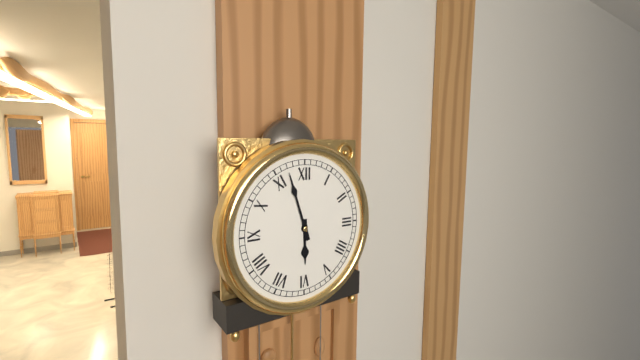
5:57
